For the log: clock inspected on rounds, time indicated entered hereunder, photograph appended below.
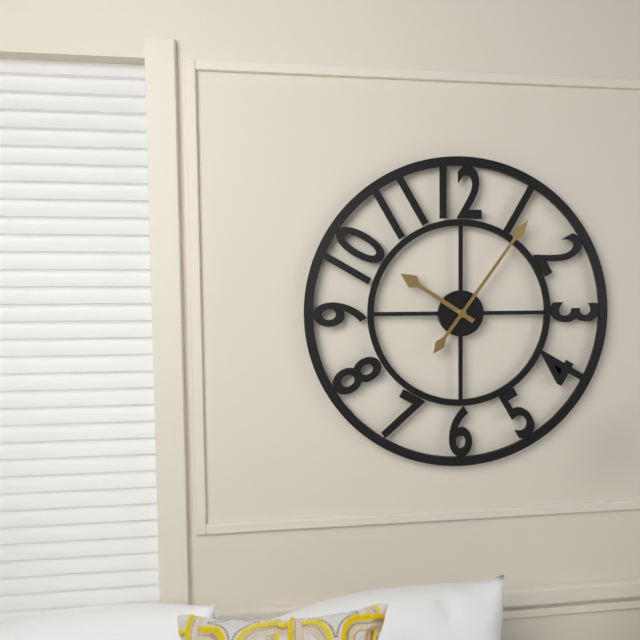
10:06
